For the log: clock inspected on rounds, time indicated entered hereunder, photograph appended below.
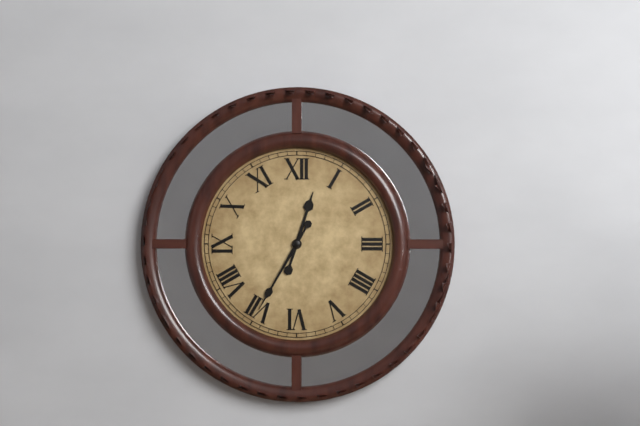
12:35
